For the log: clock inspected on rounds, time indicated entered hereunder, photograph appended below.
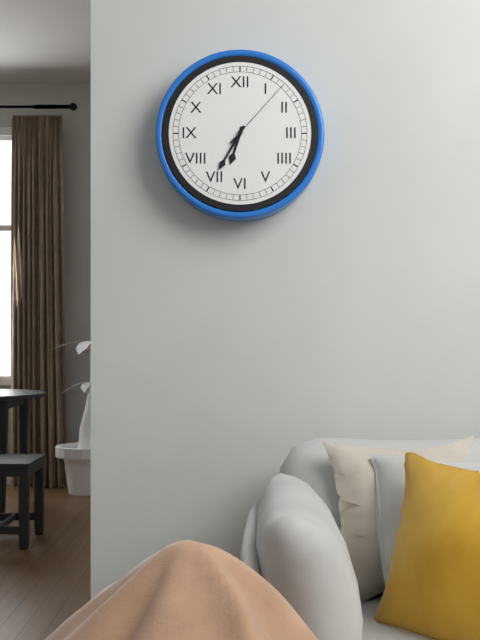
6:35:07
